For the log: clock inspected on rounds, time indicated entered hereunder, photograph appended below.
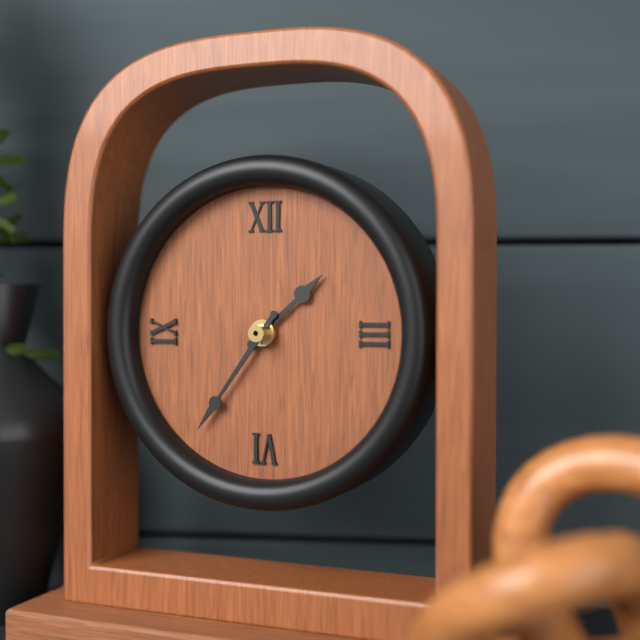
1:36
